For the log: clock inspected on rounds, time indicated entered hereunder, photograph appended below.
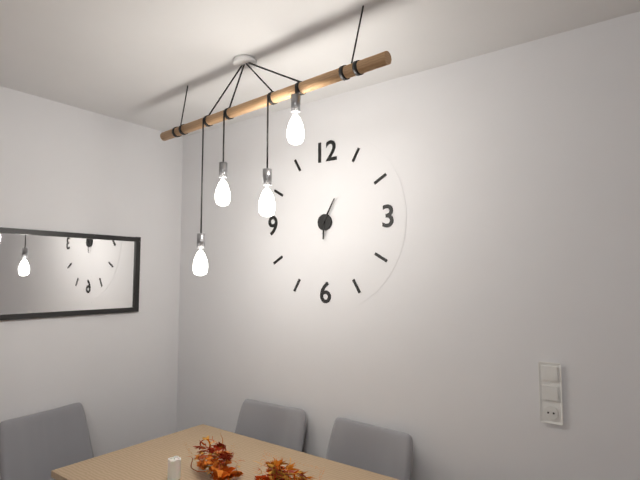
6:05
